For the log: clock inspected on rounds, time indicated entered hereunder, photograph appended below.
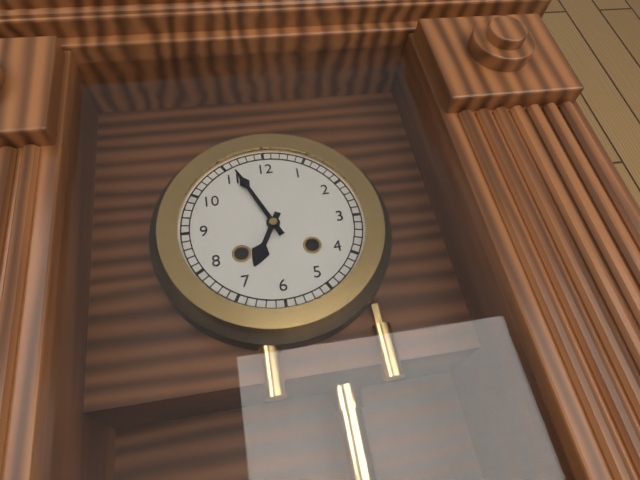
6:56
